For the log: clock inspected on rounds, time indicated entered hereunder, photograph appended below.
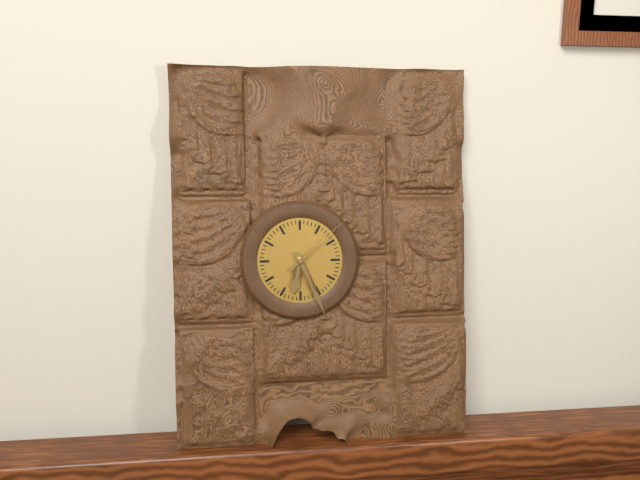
6:26:08
